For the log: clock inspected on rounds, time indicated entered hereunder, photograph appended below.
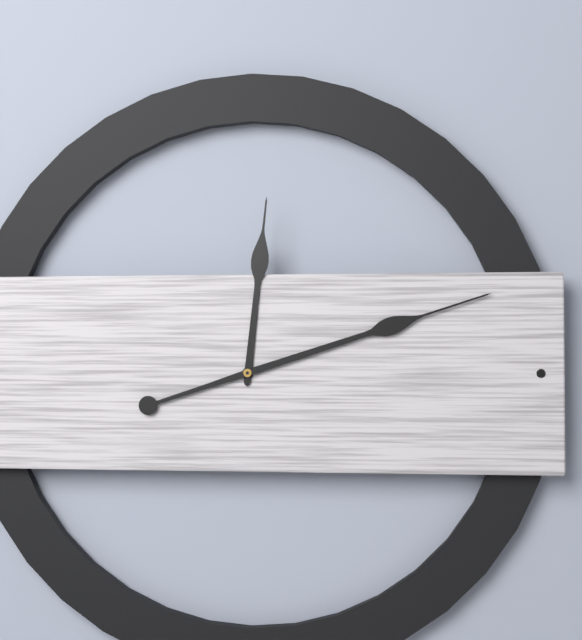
12:12
